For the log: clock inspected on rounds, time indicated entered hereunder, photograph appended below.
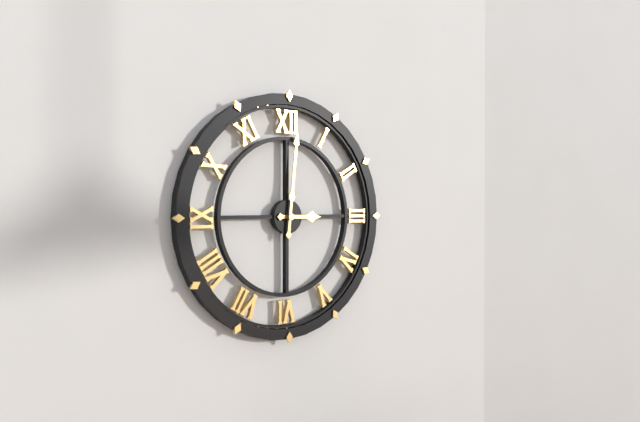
3:01
